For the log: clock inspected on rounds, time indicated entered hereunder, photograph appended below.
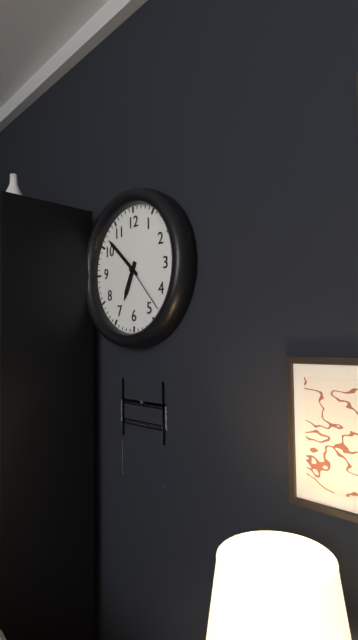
6:52:23
